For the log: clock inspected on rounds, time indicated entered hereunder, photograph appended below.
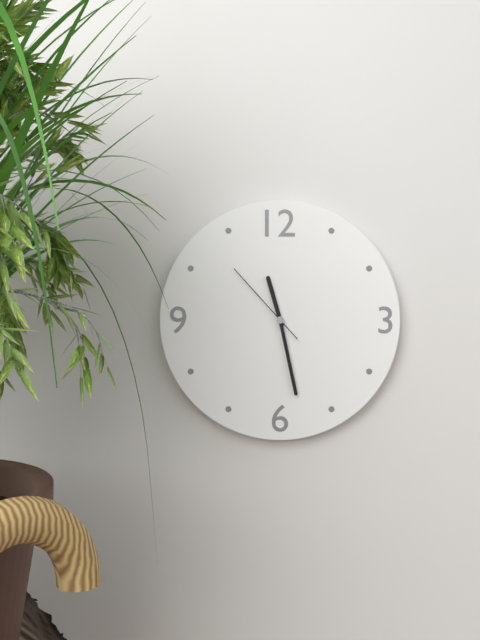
11:28:53
